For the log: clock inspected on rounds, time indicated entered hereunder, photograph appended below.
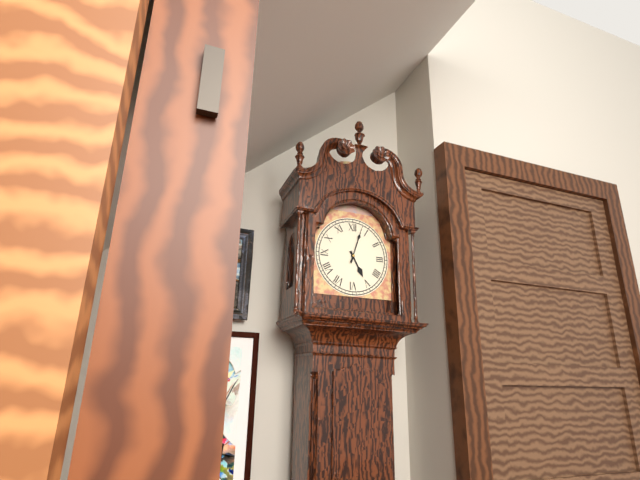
5:03
